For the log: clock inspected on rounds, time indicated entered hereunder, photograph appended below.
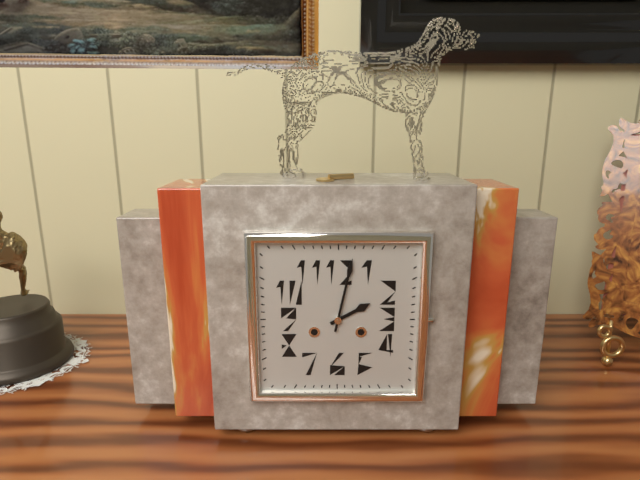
2:02
